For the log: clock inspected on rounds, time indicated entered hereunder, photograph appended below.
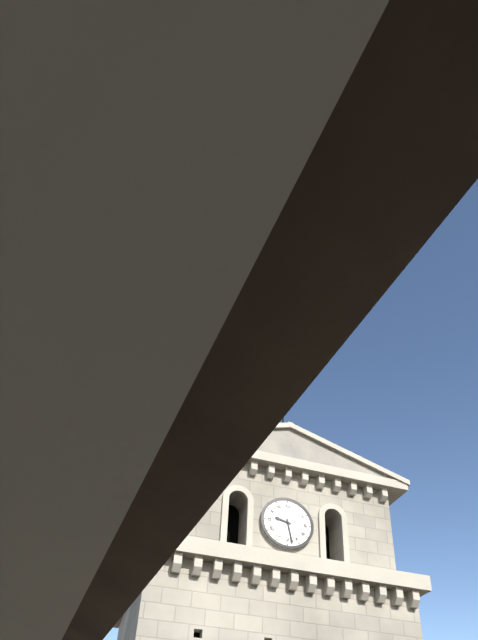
9:28
